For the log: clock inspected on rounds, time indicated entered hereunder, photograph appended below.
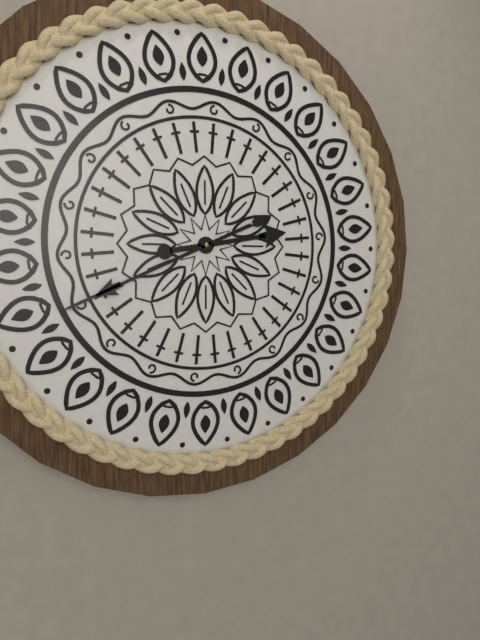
2:41
